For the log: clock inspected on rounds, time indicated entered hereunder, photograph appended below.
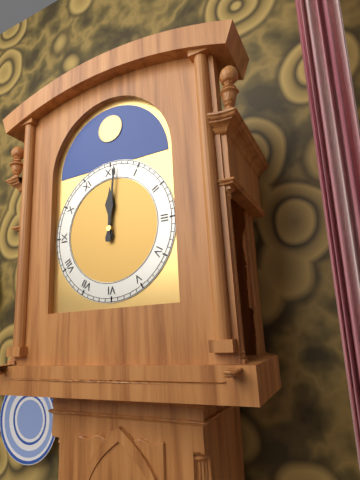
12:01
